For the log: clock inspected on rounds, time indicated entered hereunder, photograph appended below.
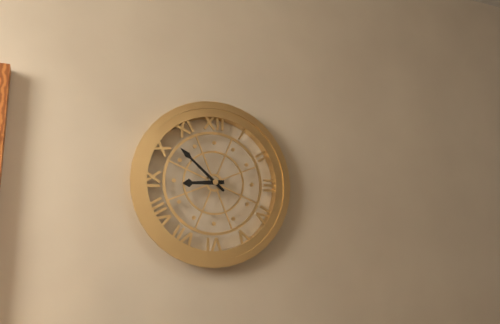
8:52
